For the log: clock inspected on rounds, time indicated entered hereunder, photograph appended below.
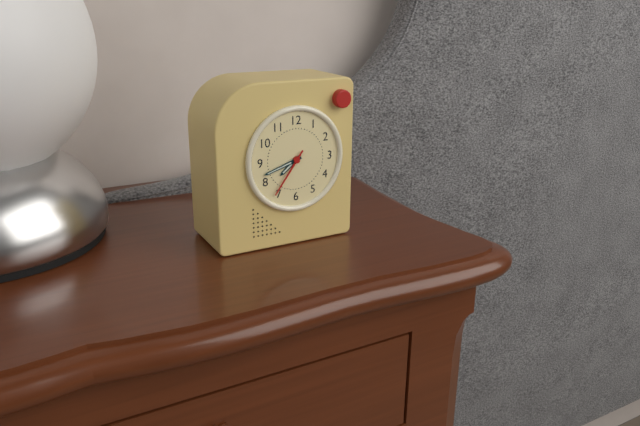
7:42:36
